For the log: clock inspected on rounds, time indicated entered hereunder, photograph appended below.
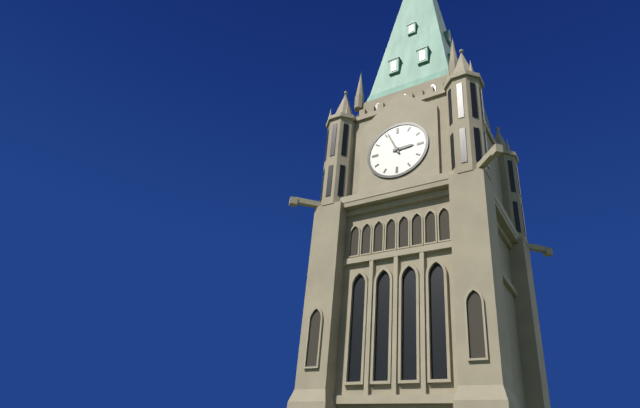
2:56
